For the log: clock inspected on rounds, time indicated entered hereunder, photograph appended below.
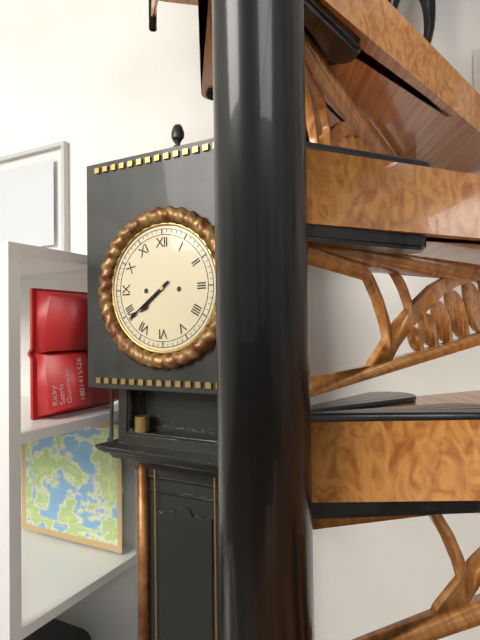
7:39
